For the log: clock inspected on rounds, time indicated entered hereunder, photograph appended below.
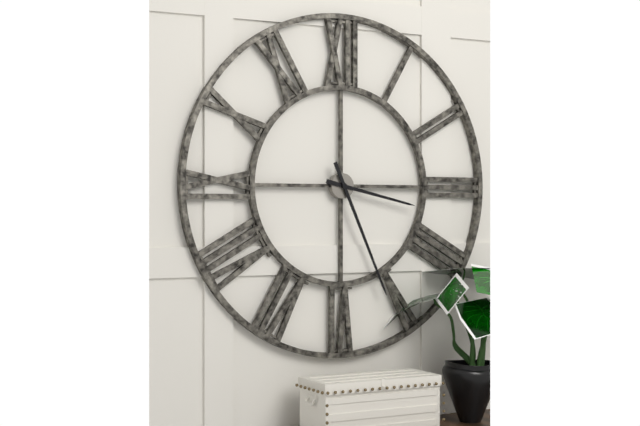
3:26
